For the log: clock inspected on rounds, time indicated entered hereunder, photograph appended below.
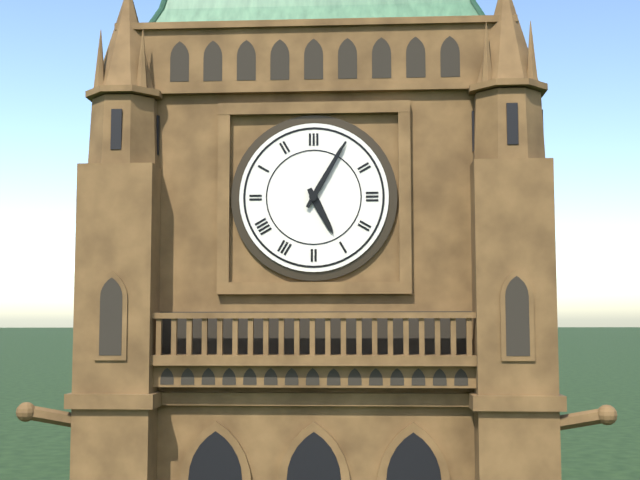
5:05
